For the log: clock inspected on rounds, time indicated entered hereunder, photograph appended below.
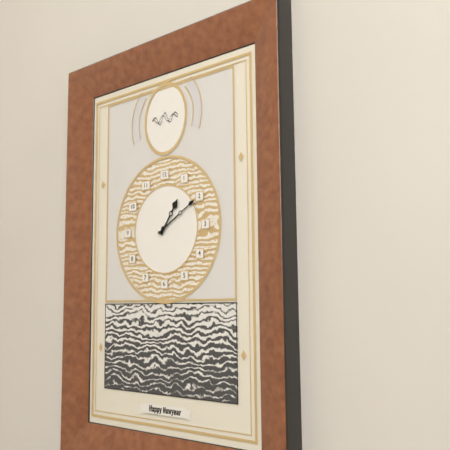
1:10
